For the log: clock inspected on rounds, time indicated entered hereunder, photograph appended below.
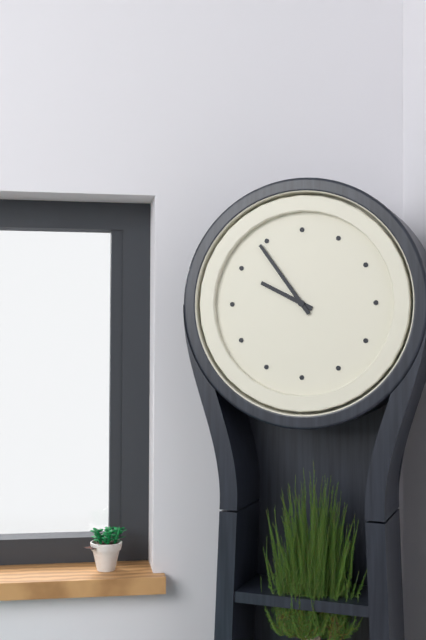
9:54
